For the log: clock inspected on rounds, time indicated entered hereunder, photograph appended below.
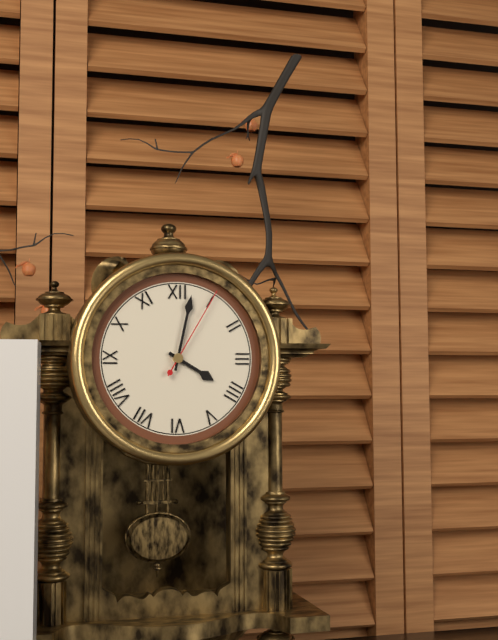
4:02:05
